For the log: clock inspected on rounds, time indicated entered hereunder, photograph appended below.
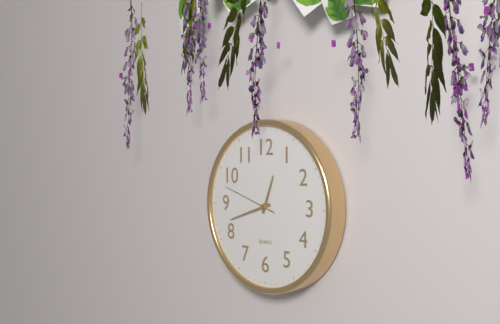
12:42:48
